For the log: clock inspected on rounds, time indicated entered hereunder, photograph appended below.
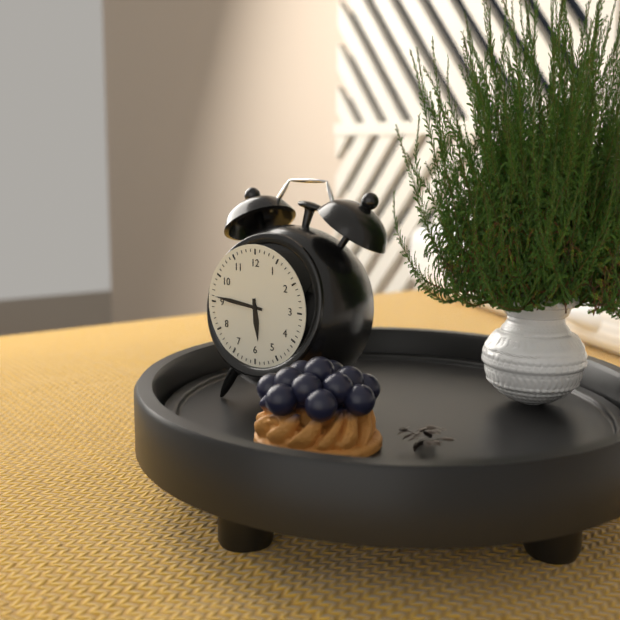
5:46
